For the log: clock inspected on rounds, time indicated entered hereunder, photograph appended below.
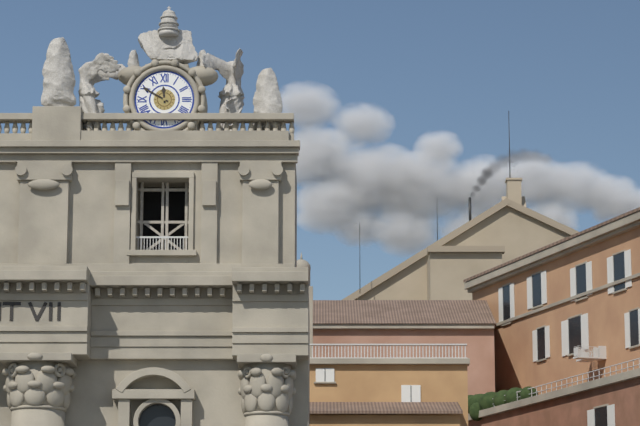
11:50
